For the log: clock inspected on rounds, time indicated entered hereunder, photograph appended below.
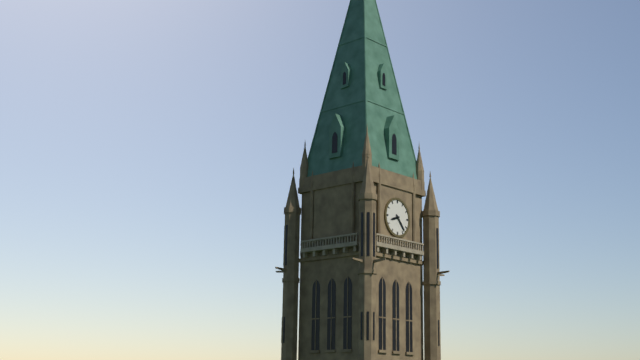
8:23
